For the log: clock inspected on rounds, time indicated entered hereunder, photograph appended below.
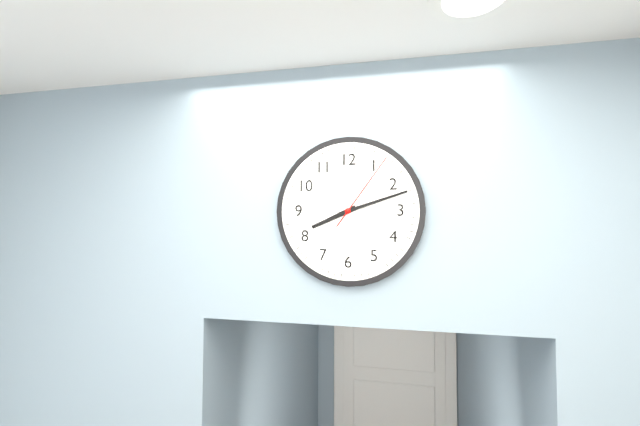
8:12:06
